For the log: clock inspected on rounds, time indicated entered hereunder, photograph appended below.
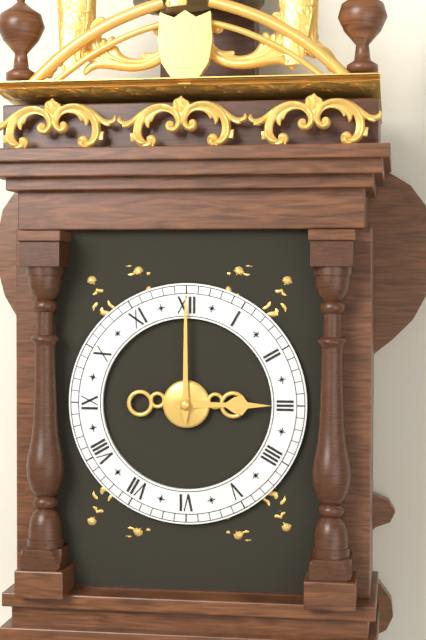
3:00
